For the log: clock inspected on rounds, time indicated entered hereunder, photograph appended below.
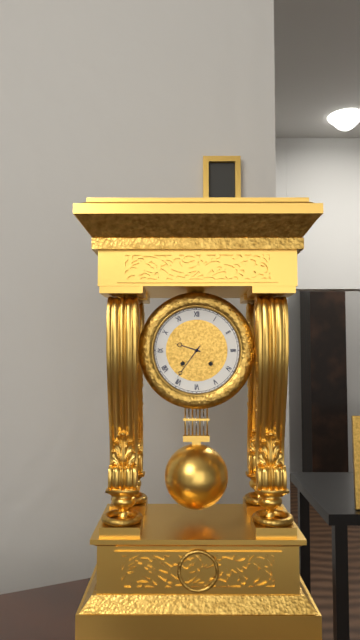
9:36
